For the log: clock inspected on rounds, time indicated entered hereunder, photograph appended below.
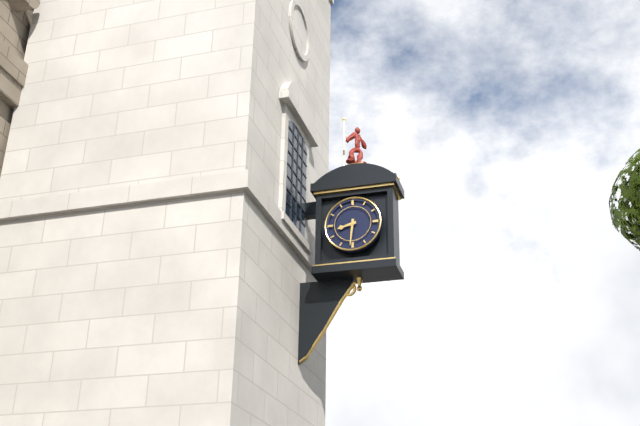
8:31
